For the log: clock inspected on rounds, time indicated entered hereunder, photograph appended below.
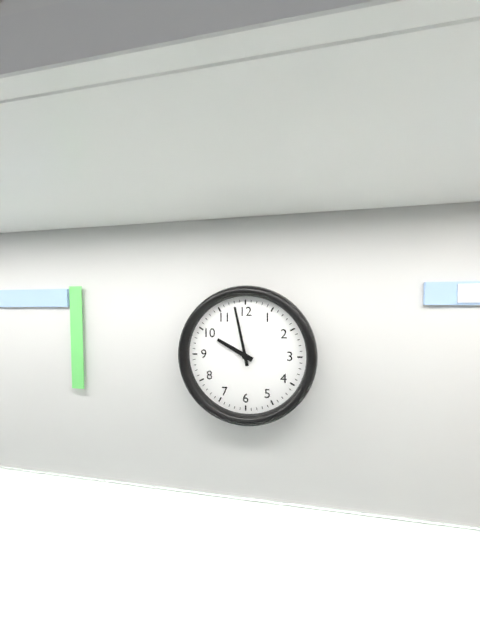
9:58
